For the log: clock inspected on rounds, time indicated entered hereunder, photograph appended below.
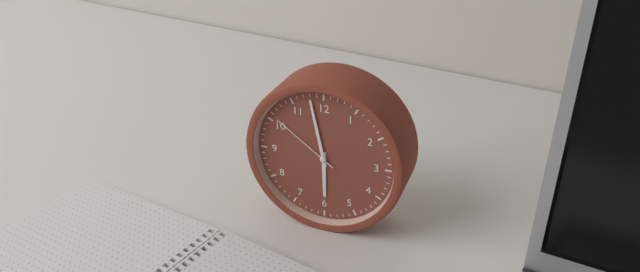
5:58:51
